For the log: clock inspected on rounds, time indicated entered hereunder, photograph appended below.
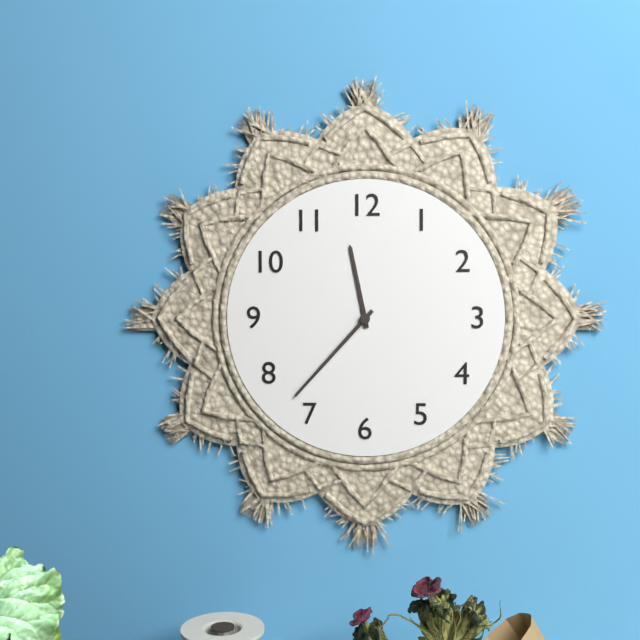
11:37
